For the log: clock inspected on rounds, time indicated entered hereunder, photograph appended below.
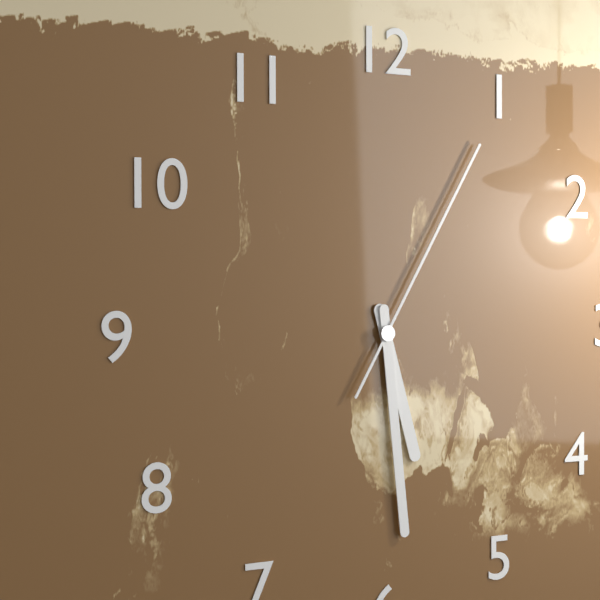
5:29:05
